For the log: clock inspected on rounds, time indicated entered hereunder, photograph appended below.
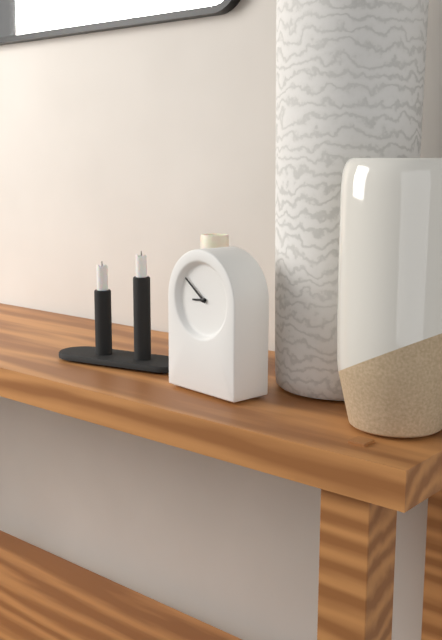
8:51
